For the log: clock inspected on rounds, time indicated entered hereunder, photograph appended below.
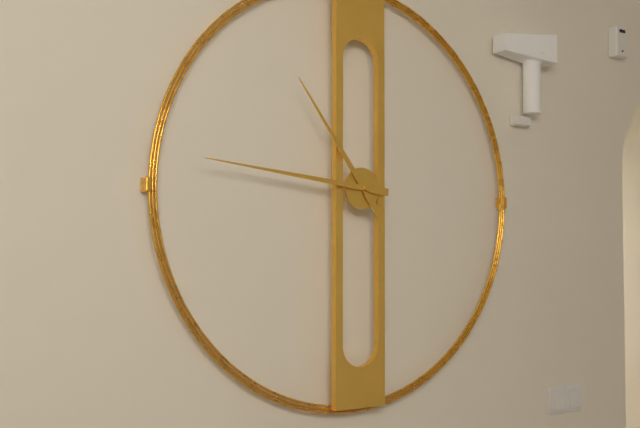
10:46
